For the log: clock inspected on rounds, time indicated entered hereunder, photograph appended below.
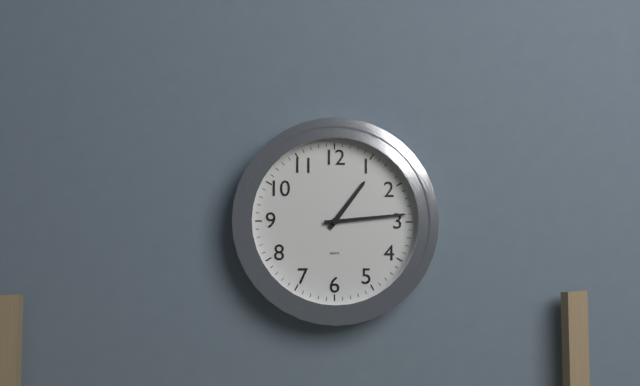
1:14
